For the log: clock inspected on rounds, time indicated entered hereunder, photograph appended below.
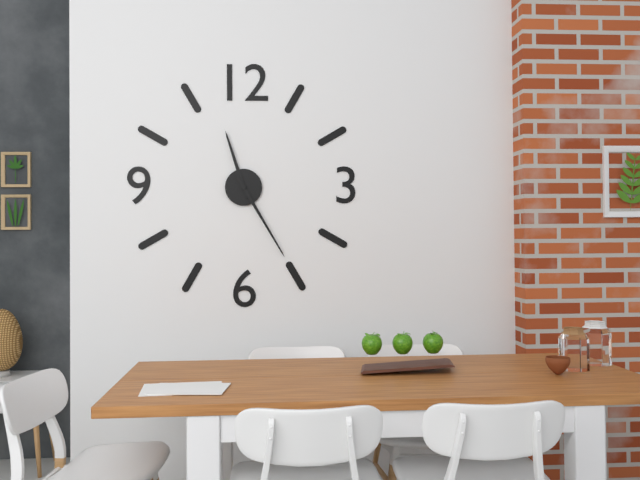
11:25
